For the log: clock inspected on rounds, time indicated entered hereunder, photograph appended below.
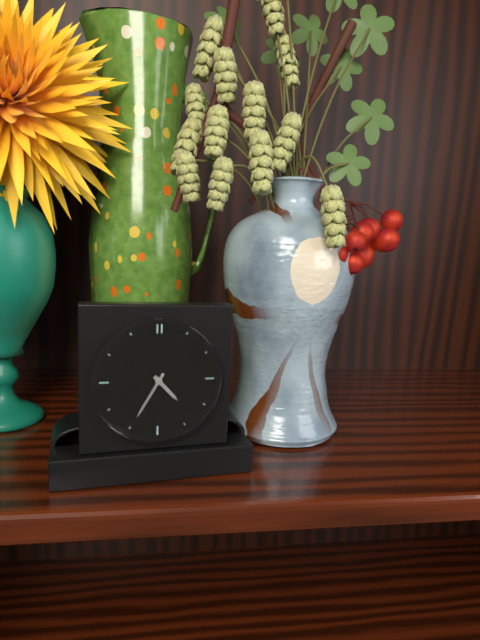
4:35
